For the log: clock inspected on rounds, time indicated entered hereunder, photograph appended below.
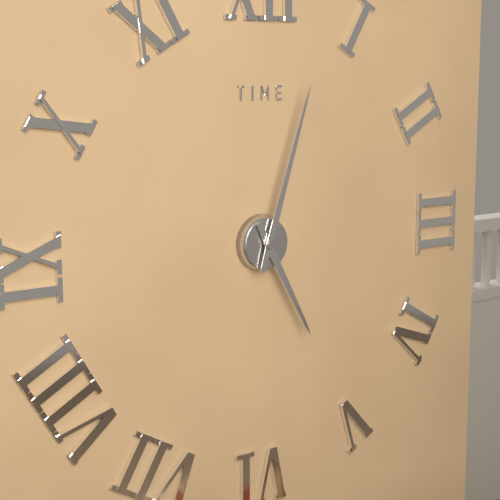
5:03
